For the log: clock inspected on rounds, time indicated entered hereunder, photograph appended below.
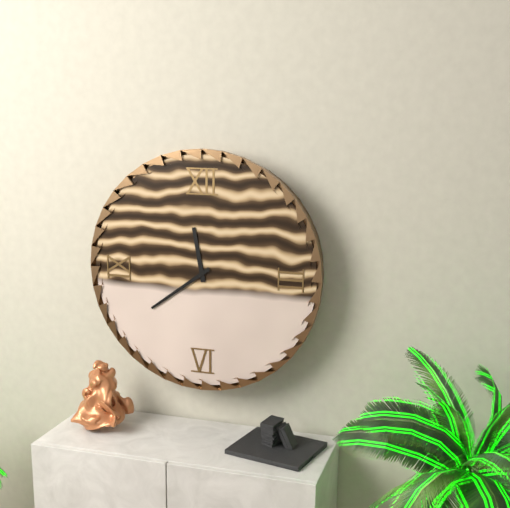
11:39
